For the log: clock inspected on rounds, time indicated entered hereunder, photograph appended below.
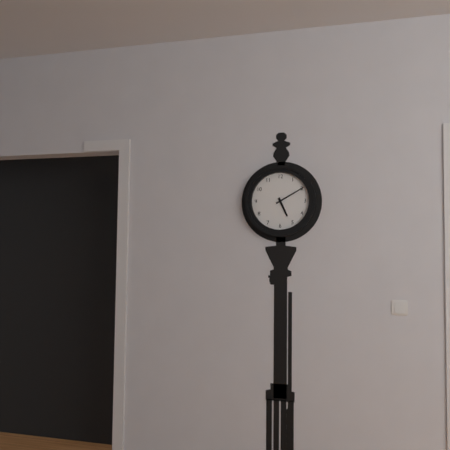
5:10
